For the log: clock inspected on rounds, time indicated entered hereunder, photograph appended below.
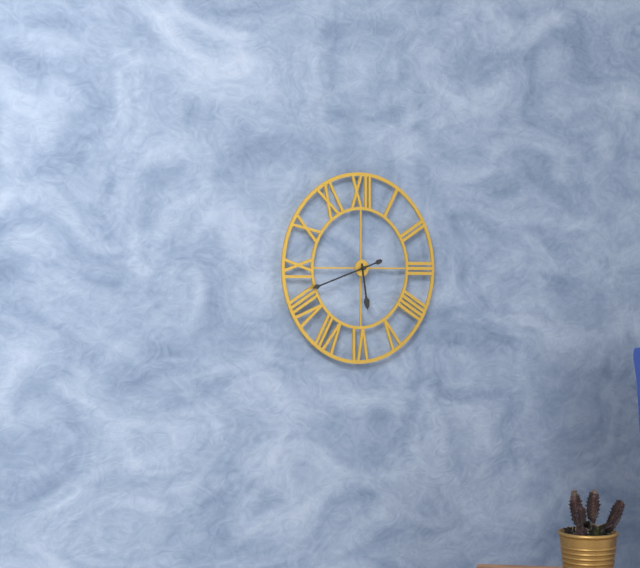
5:42
